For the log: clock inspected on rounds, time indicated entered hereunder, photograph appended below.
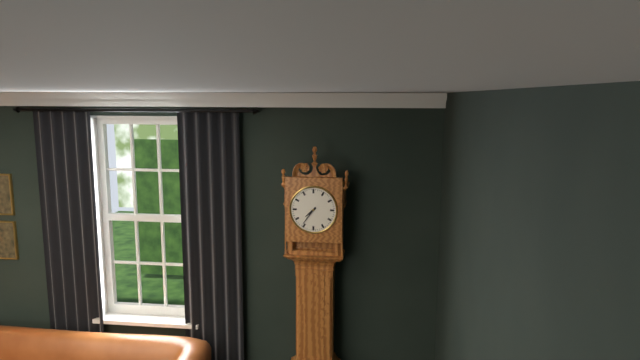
7:36
